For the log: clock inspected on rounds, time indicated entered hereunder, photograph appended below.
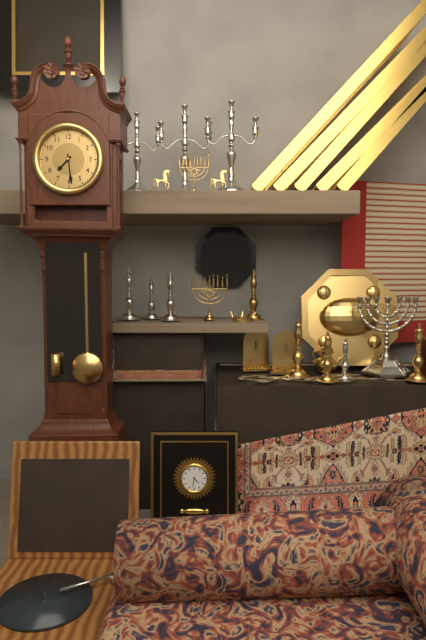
7:29
